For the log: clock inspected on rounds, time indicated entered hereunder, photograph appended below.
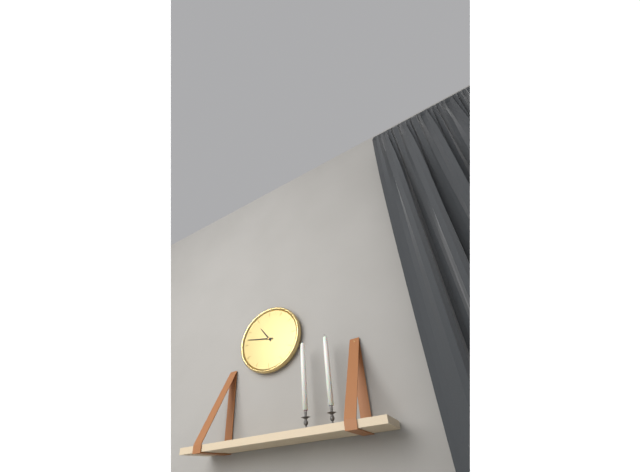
10:47
